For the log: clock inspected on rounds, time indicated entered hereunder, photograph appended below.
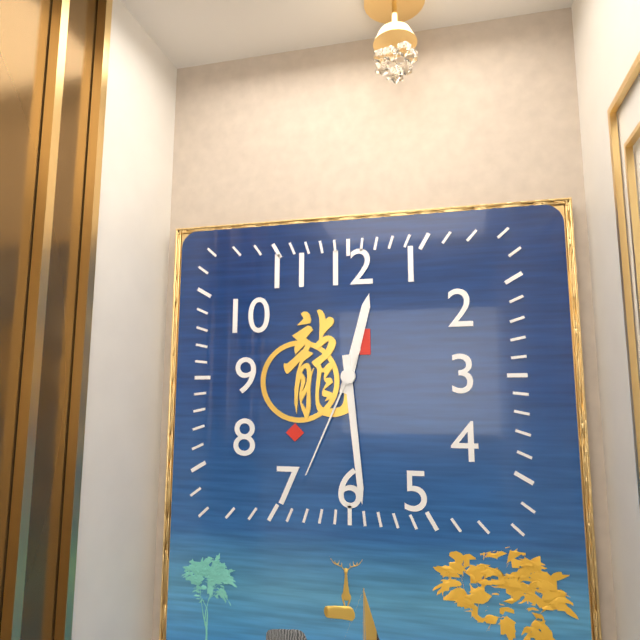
12:29:34
